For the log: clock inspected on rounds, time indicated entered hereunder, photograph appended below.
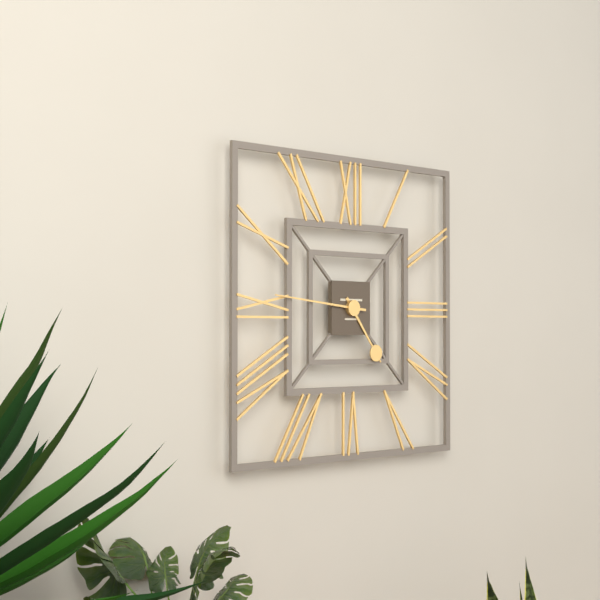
4:46
